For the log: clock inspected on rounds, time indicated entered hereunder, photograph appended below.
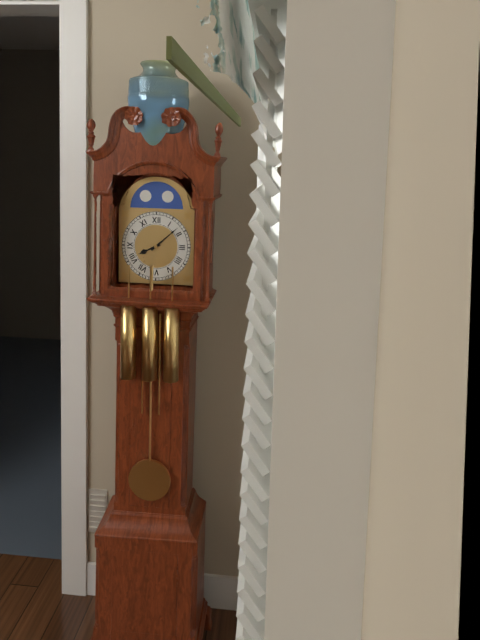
8:08
